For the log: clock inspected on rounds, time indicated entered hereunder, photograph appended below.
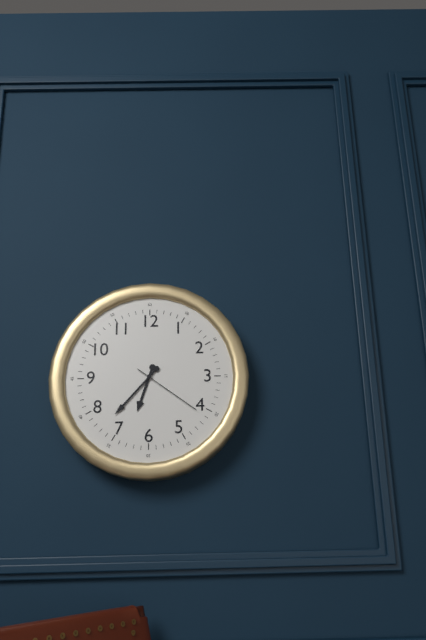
6:37:21
